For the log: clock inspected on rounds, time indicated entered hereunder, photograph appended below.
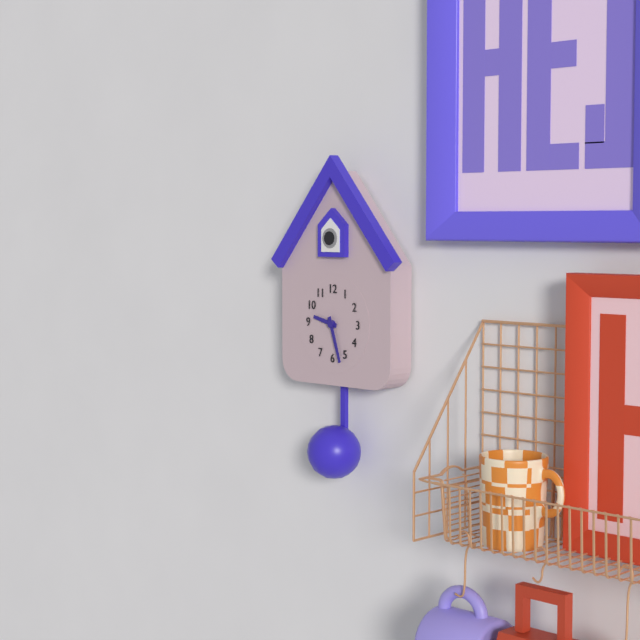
9:27
